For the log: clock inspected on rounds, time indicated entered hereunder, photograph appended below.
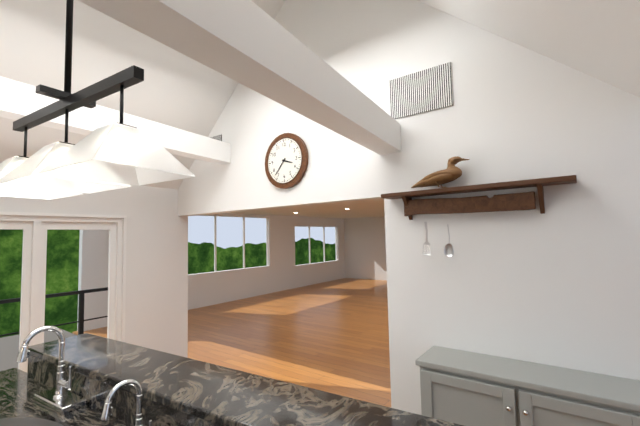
3:37
